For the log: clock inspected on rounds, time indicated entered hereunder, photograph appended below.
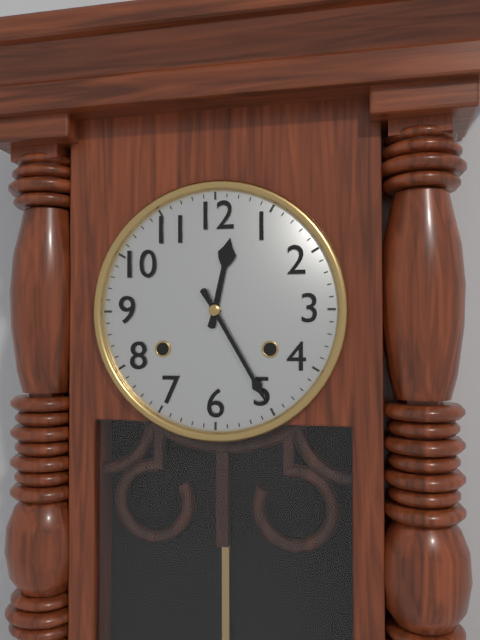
12:25
